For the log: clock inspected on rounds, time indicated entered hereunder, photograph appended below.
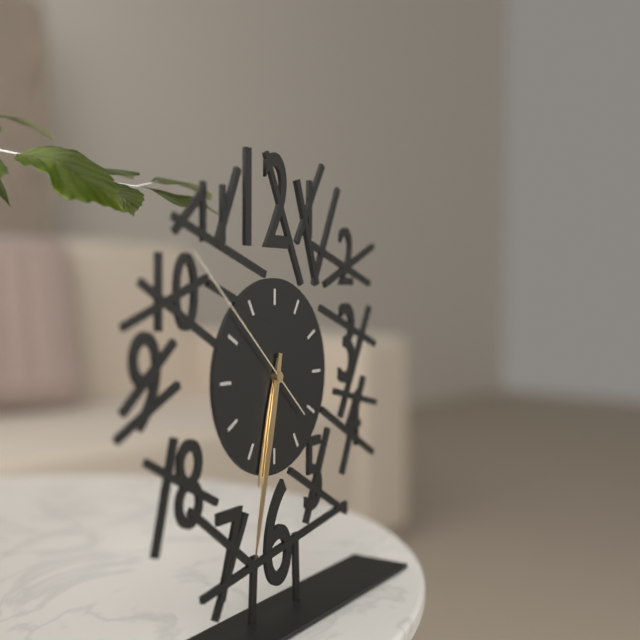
6:32:52
